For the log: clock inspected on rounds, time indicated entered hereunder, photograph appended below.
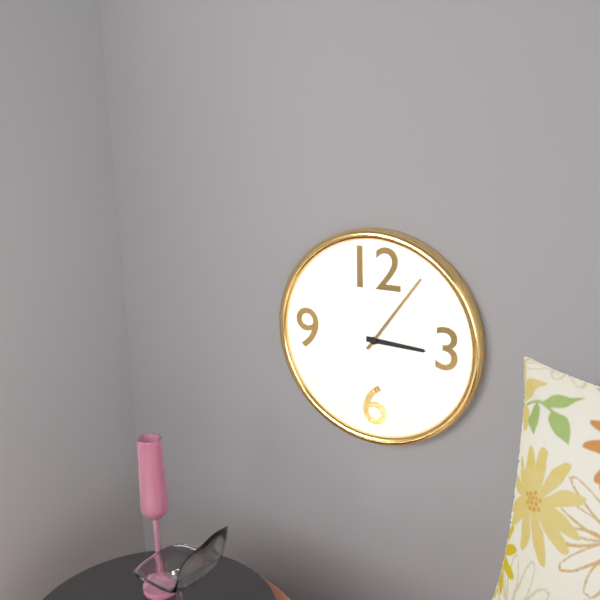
3:06
